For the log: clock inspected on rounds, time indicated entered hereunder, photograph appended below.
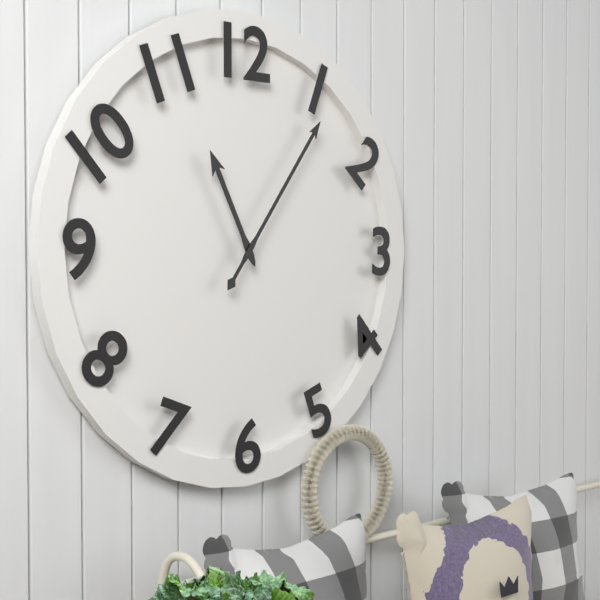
11:06
